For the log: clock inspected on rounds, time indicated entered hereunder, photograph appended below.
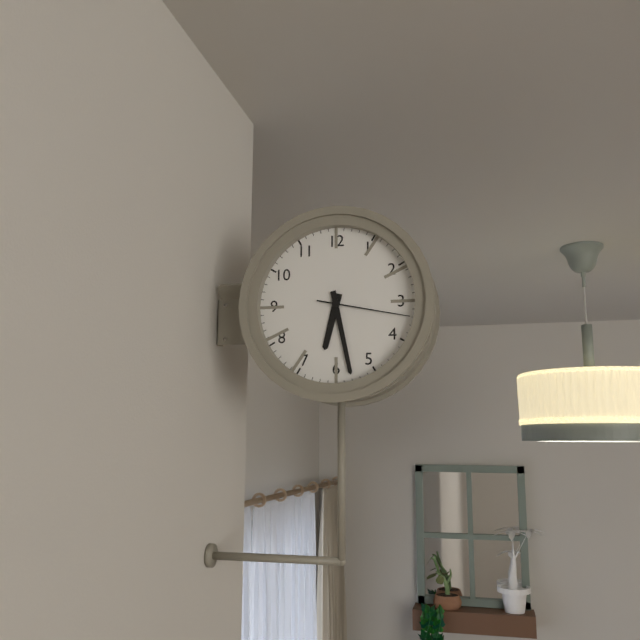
6:28:17
